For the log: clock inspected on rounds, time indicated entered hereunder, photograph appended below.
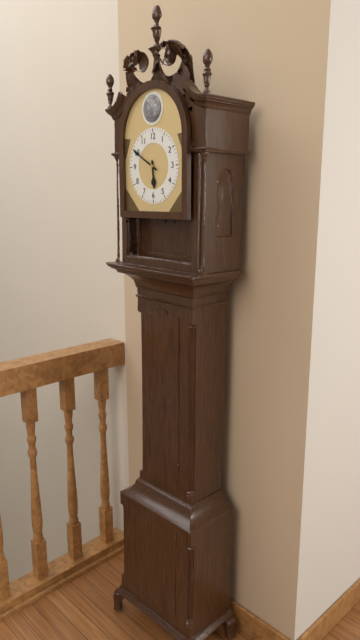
5:50
